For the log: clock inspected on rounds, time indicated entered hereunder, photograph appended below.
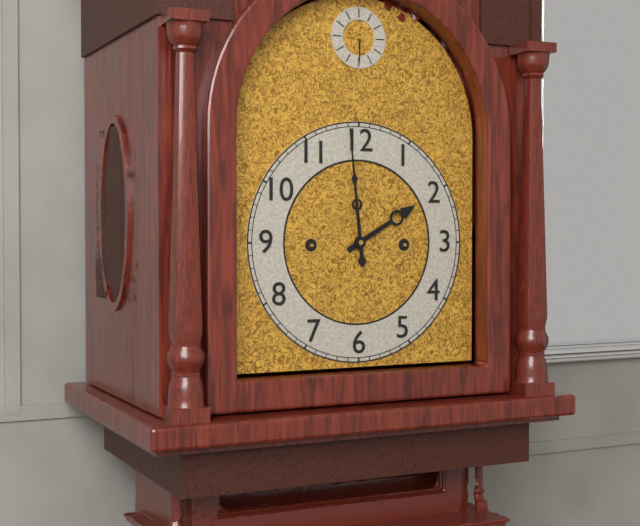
1:59
